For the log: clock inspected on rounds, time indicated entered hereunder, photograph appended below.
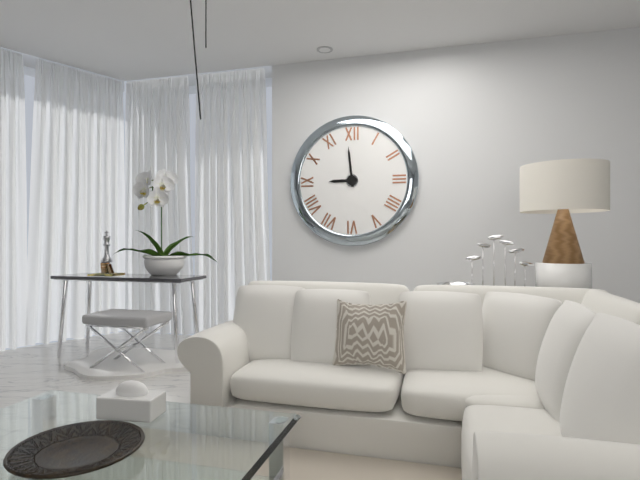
8:59
